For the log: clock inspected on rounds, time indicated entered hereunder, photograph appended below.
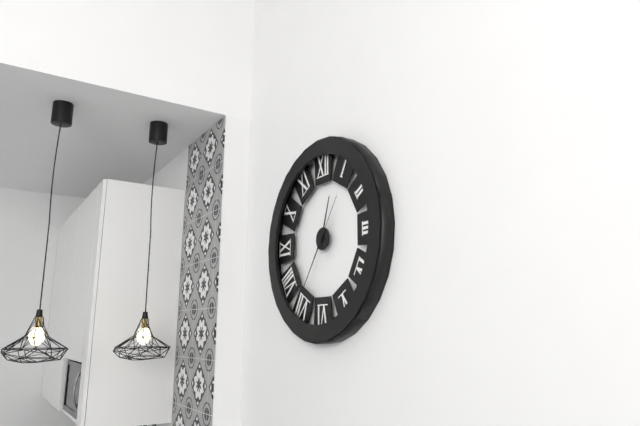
12:36:06
